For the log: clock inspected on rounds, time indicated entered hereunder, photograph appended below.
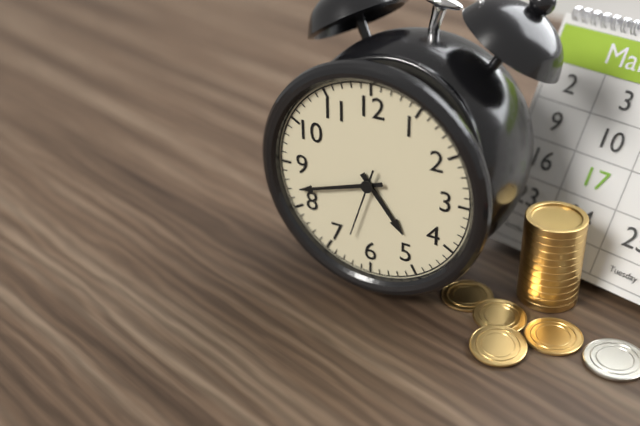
4:42:33
